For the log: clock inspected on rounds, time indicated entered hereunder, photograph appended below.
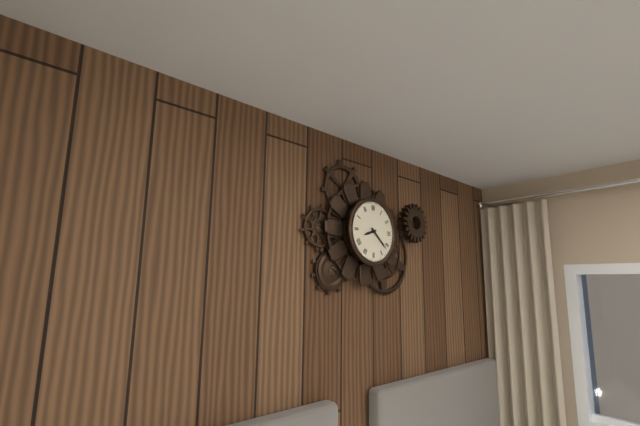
8:22
